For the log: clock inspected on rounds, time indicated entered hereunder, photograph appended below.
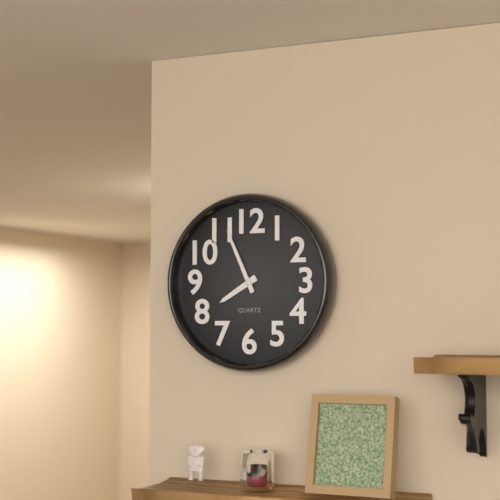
7:56
